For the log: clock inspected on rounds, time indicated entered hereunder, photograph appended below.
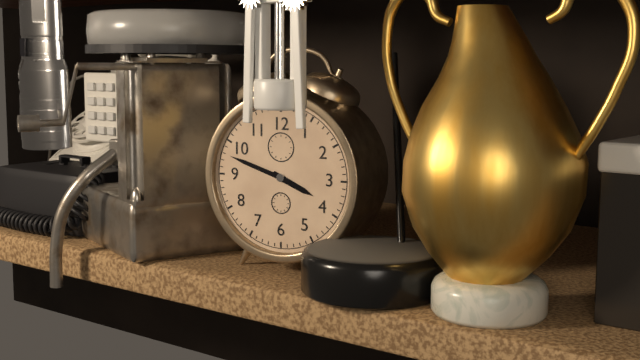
3:48
